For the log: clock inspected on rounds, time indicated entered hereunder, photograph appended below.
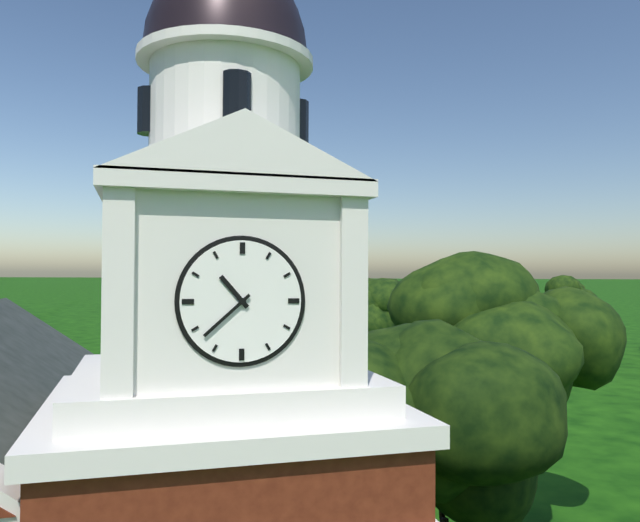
10:38
